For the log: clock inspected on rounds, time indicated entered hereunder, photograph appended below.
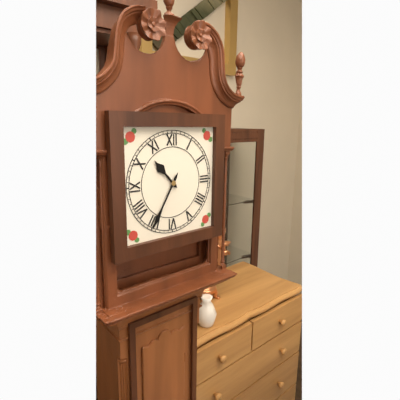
10:35
